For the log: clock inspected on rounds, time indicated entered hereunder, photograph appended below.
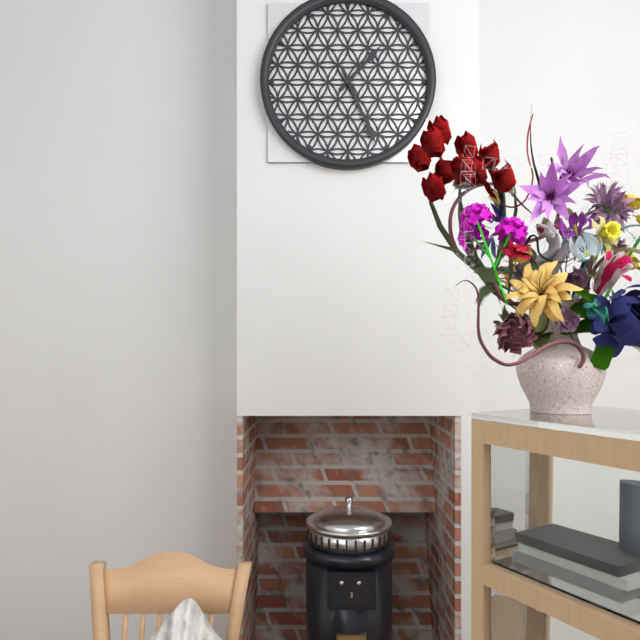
1:26
